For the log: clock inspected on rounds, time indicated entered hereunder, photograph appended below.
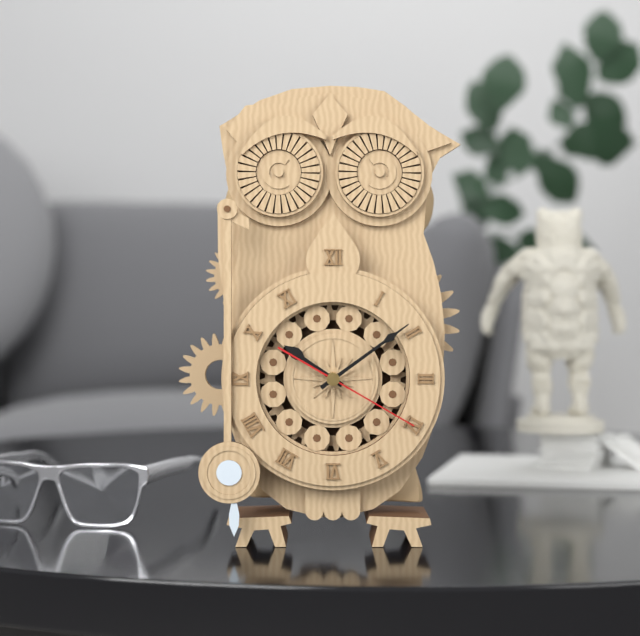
10:09:20
